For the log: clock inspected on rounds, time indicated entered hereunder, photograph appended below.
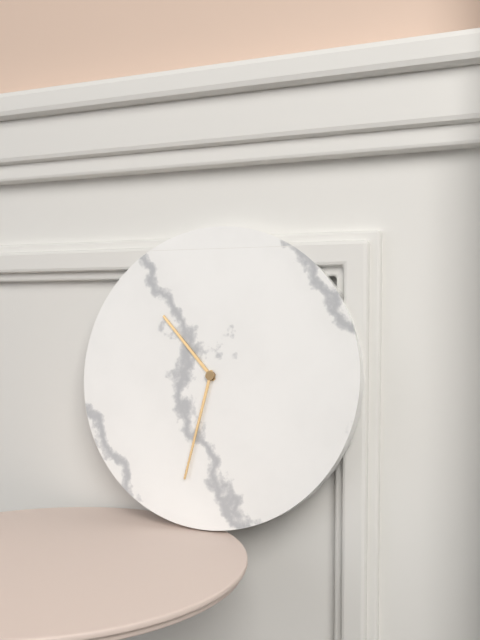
10:32
